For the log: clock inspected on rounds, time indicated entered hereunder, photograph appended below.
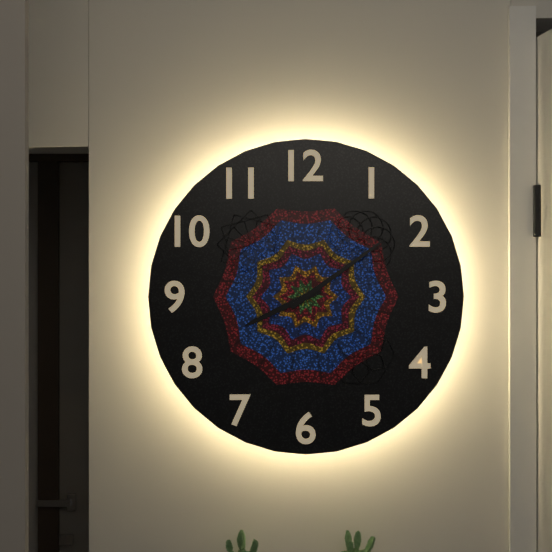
8:09
